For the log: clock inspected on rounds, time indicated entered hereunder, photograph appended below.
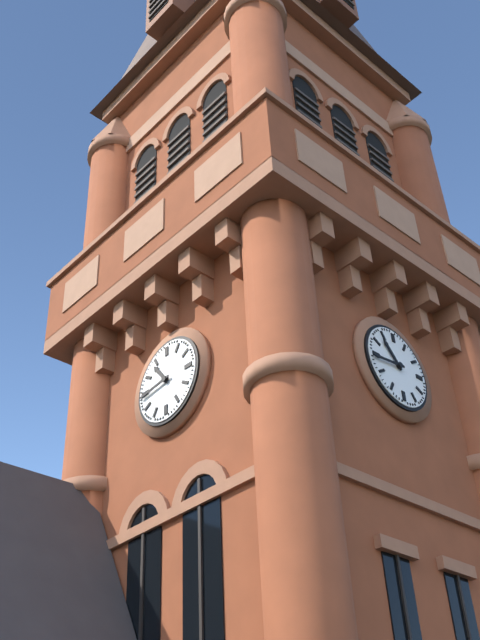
10:44
